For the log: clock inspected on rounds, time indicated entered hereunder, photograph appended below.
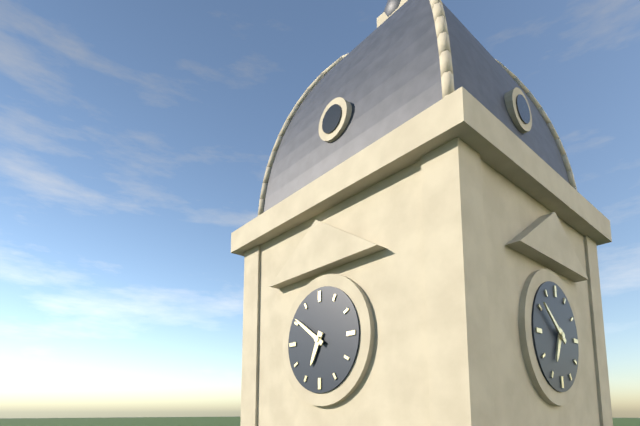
6:51
